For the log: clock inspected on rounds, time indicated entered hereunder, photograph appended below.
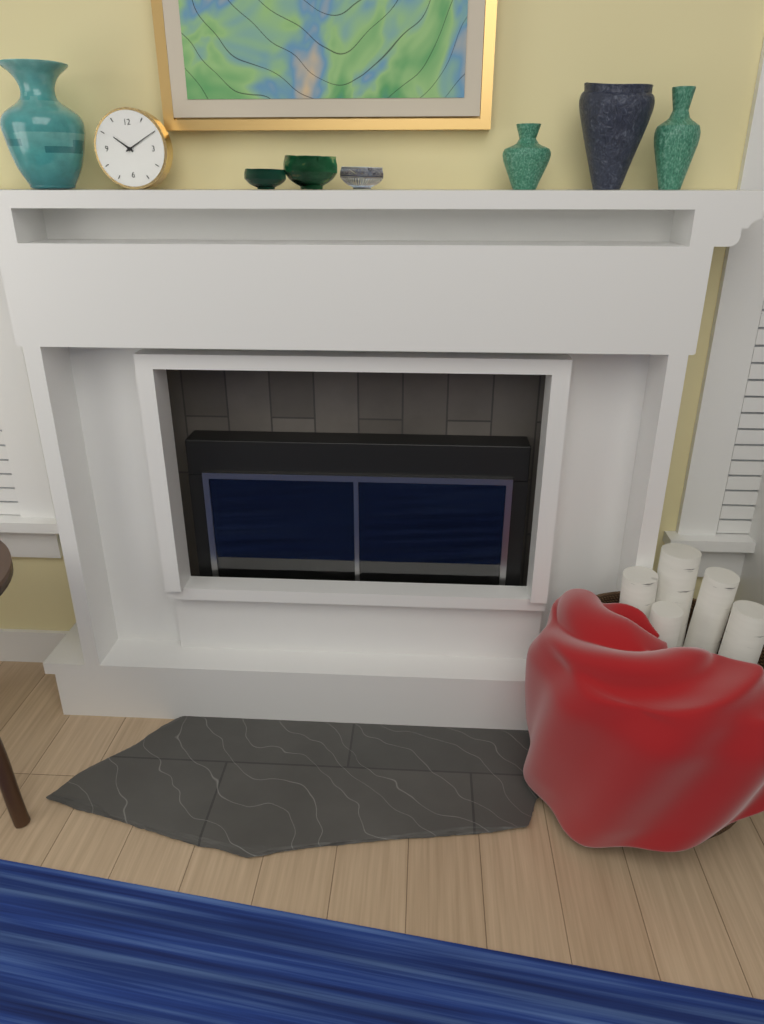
10:10
